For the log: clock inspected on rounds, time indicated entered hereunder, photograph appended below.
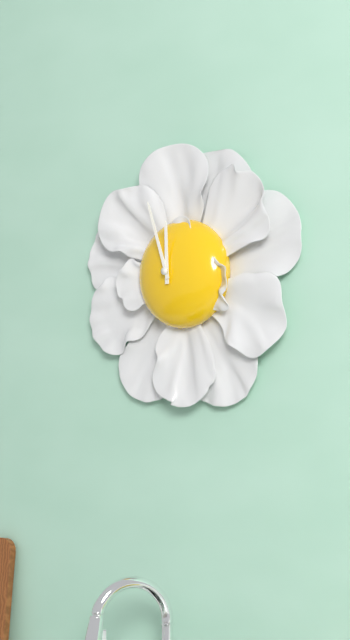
11:57
